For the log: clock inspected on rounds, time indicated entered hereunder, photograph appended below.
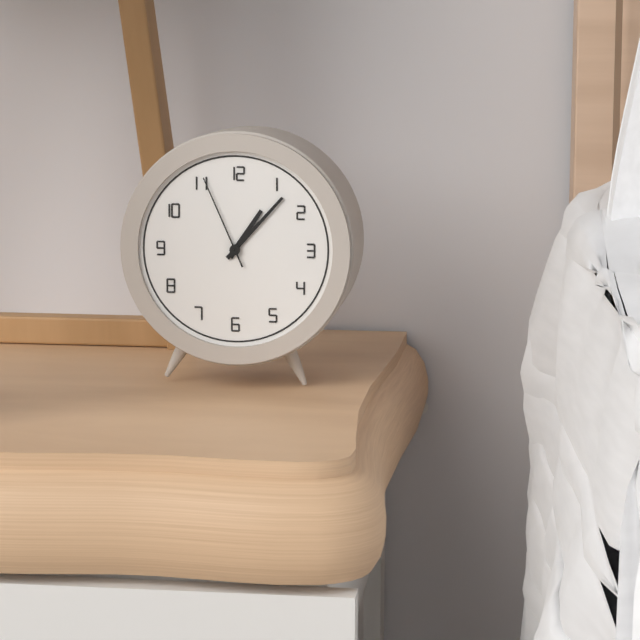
1:07:56
